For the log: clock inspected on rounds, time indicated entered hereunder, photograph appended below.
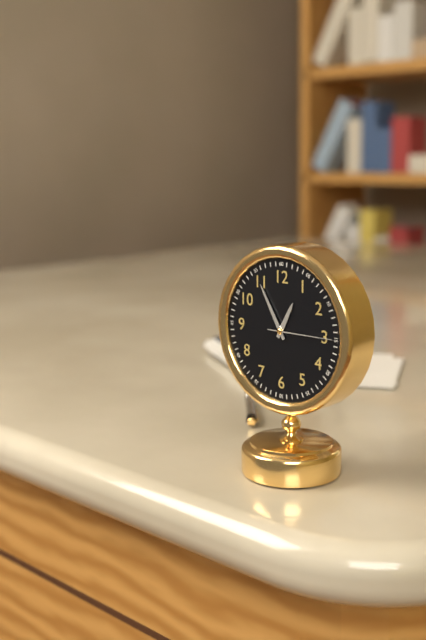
12:55:15
